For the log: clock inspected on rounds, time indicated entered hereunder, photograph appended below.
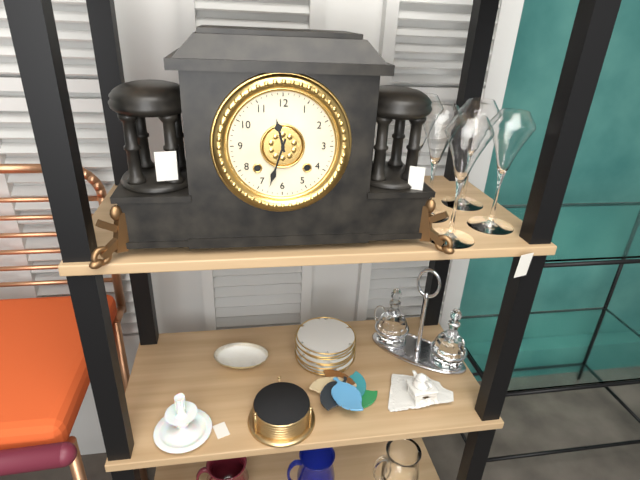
11:33
